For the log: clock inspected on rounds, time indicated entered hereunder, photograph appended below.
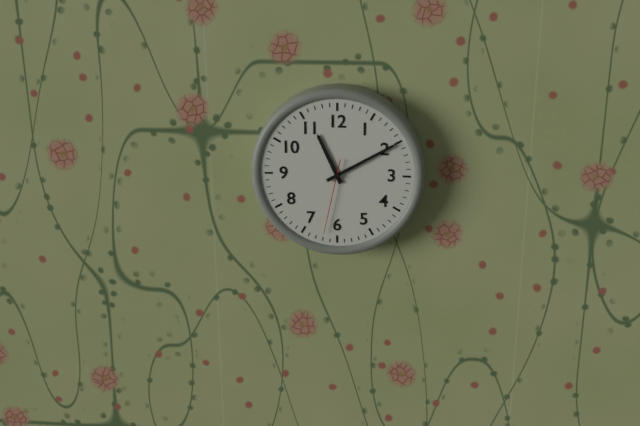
11:10:32
